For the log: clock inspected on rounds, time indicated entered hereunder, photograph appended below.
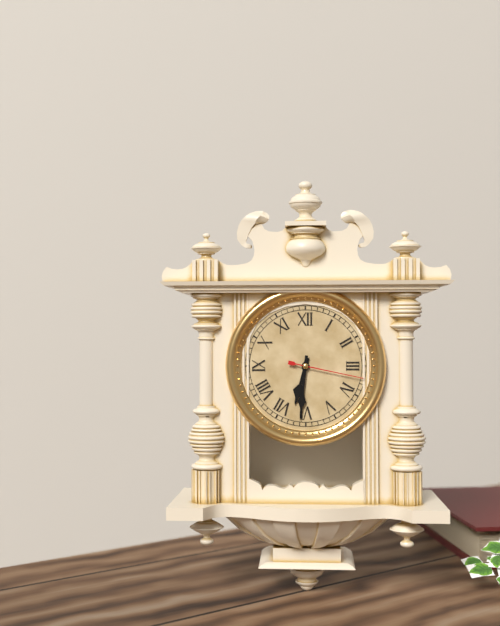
6:31:17
